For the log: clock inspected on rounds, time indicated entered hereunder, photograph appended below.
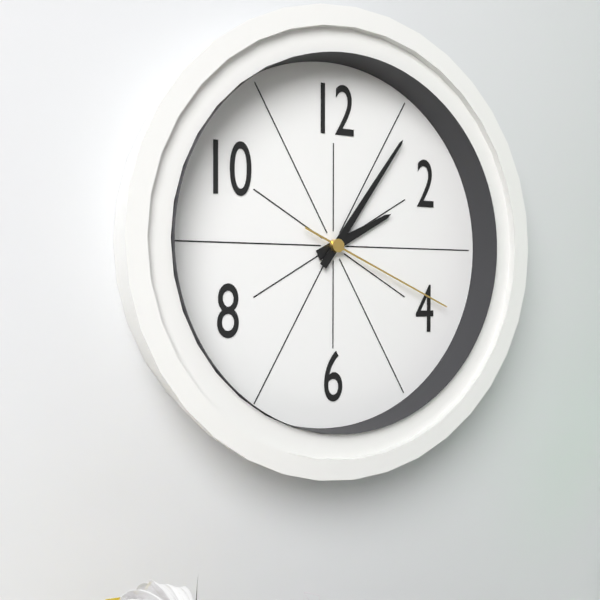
2:06:19
